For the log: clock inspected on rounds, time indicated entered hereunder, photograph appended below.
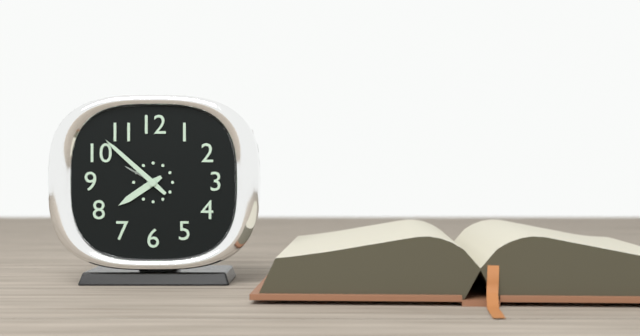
7:52
